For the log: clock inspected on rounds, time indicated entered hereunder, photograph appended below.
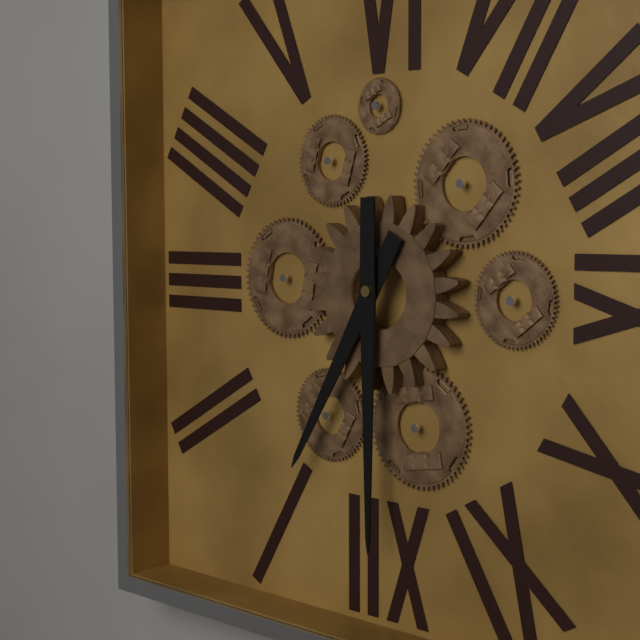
1:00
